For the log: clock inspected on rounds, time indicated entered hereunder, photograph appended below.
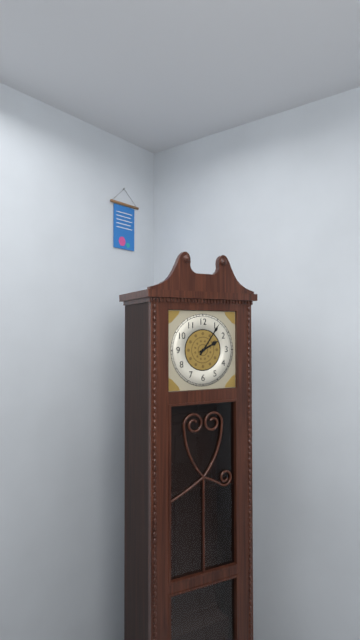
2:06
